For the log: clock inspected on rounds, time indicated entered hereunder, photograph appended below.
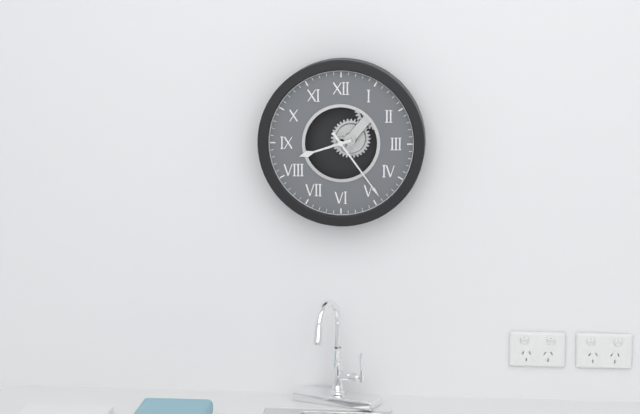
8:24
